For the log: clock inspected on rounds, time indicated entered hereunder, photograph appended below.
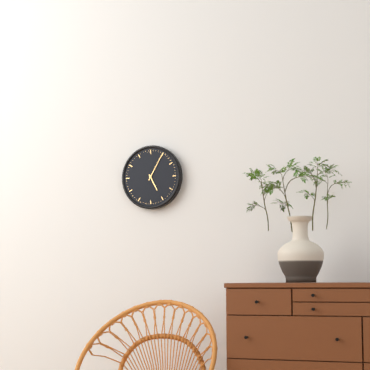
5:05
